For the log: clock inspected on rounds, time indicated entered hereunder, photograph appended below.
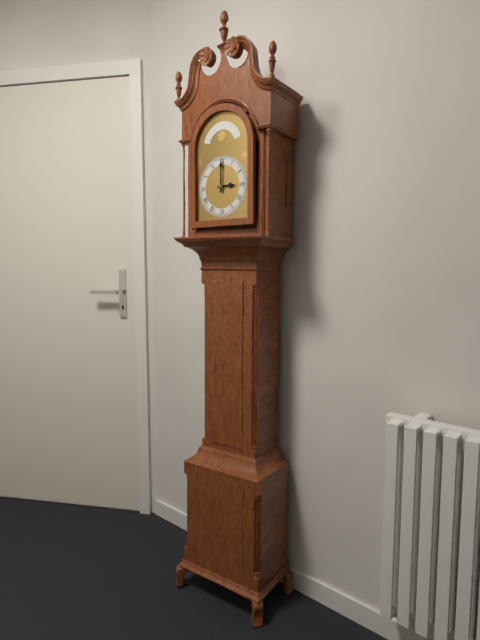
3:00
